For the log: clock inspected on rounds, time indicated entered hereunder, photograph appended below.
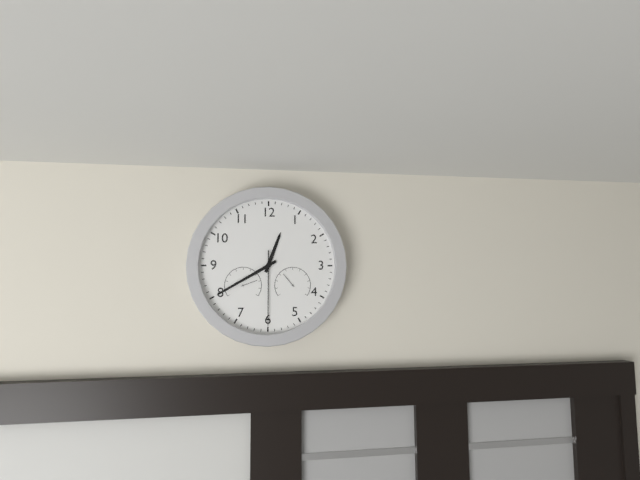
12:40:30
